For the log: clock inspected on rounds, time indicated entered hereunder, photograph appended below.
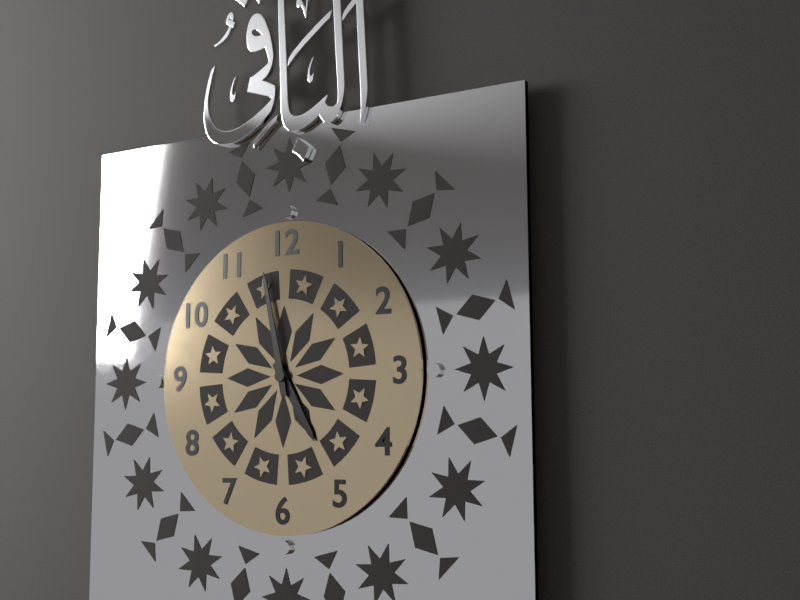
4:58
